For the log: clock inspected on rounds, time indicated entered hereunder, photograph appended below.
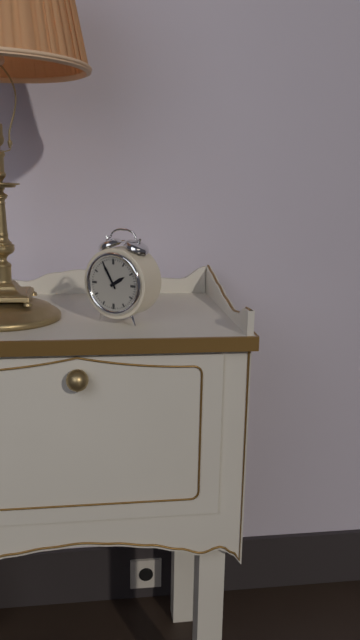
1:55
